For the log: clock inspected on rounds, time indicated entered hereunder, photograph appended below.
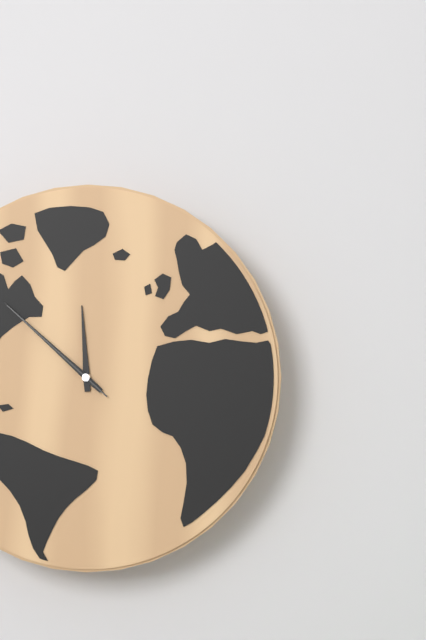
11:52:52
